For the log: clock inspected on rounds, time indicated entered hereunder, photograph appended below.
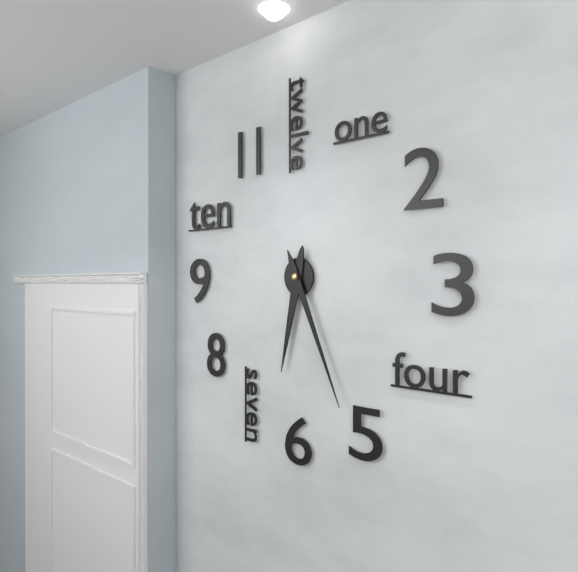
6:26
